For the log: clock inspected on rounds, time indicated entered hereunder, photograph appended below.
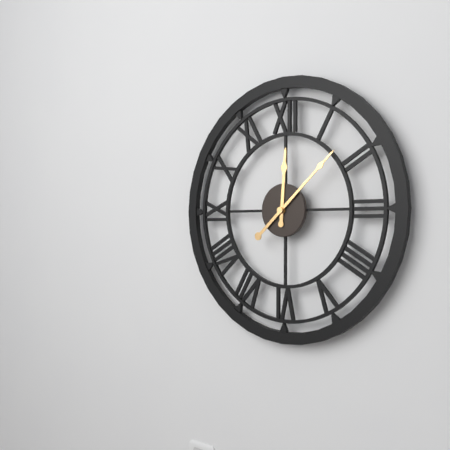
12:08
